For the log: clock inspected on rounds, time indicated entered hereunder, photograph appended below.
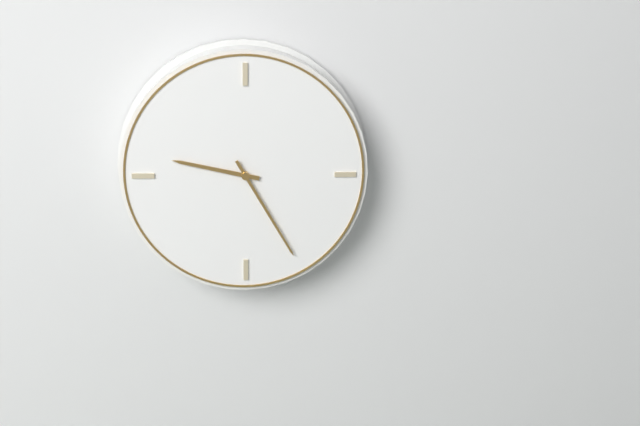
9:25
